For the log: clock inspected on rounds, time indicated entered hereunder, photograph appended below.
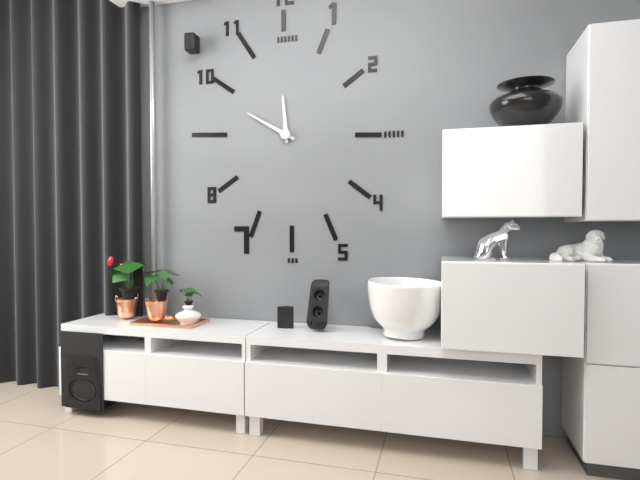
11:50
